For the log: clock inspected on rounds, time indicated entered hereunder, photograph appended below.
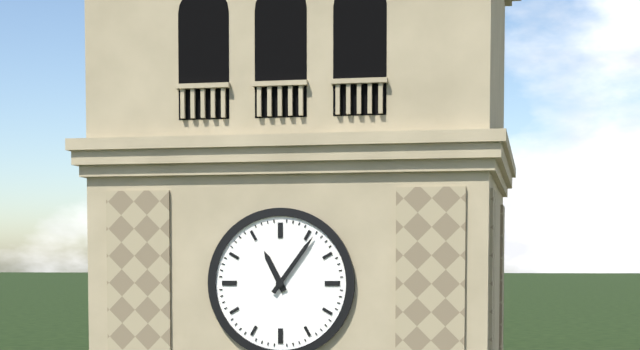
11:06
